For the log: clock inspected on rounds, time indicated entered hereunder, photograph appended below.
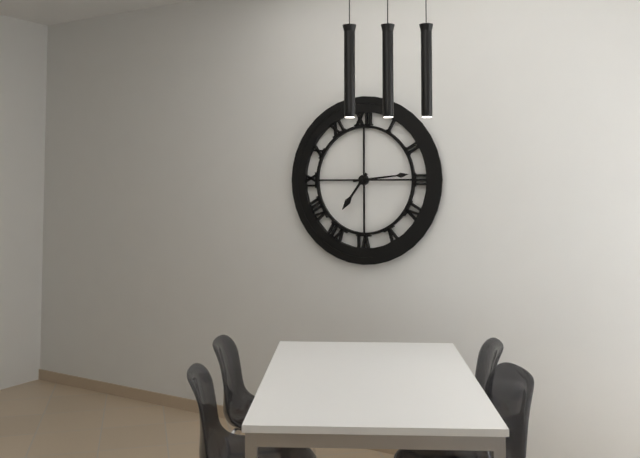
7:14
